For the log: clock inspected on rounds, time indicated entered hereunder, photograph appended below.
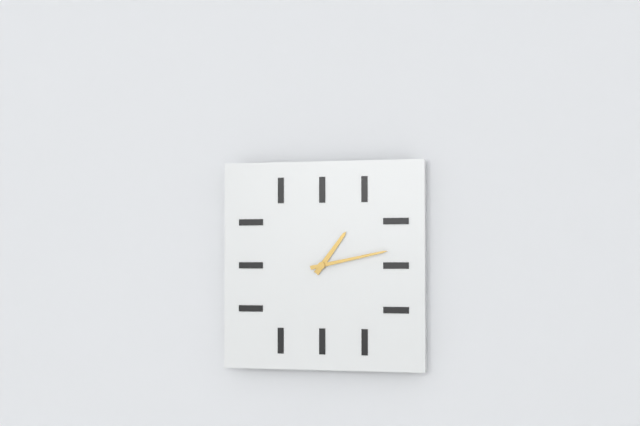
1:13
